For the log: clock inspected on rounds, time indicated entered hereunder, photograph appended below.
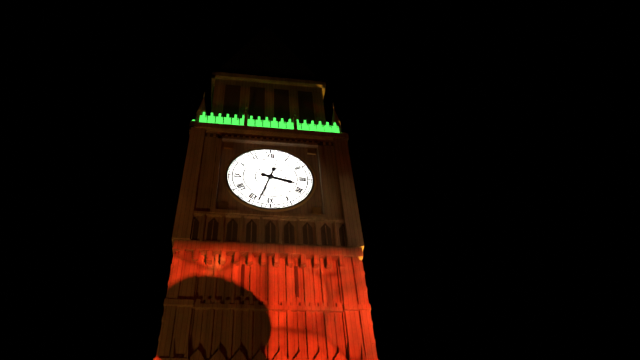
3:33
